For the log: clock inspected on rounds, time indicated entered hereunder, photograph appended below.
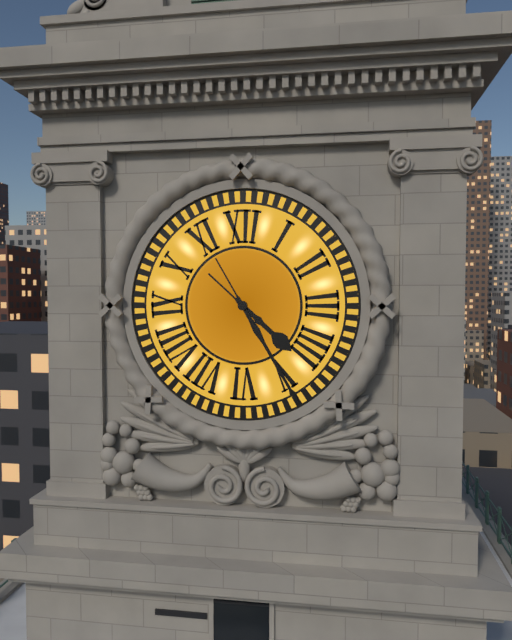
4:25
